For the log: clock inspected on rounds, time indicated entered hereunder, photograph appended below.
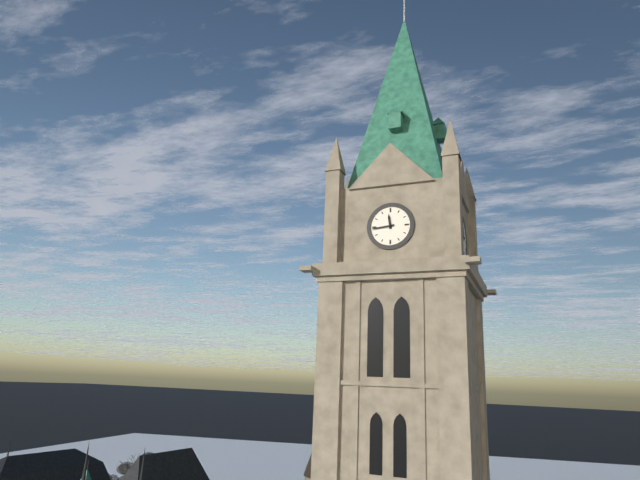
11:44
